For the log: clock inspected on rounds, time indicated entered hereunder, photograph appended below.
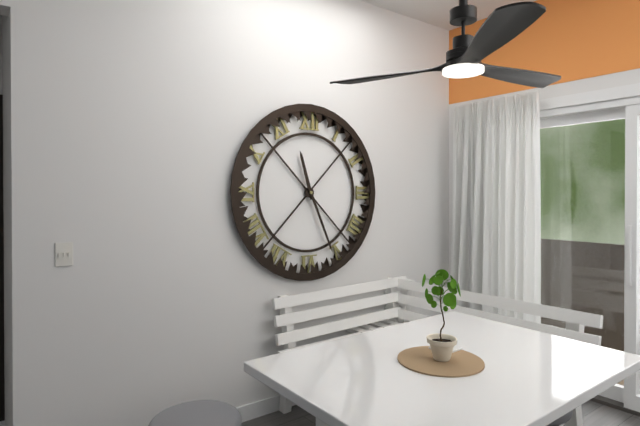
11:26
